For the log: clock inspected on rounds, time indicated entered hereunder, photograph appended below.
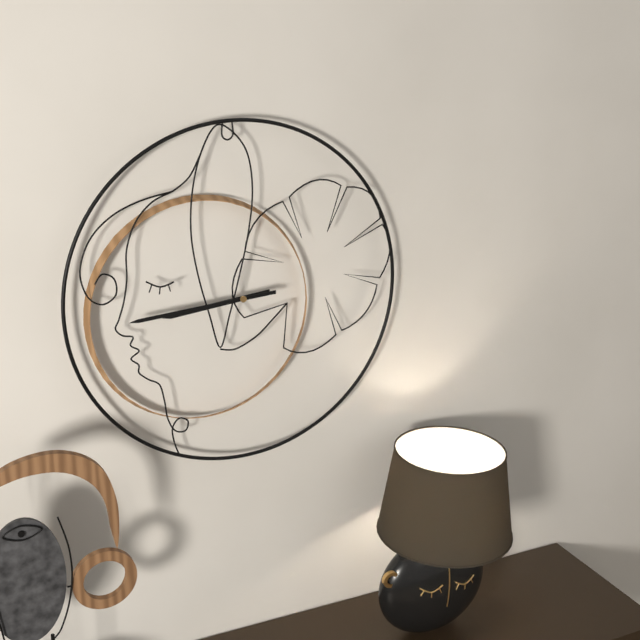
8:44
